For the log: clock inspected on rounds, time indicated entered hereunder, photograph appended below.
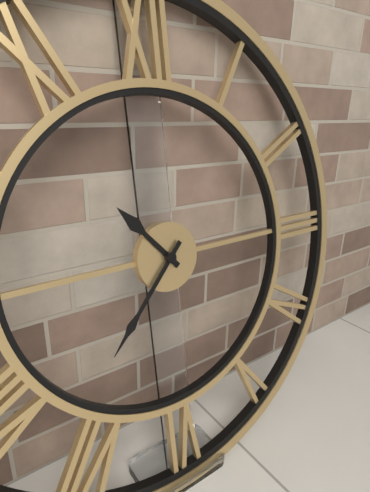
10:37
